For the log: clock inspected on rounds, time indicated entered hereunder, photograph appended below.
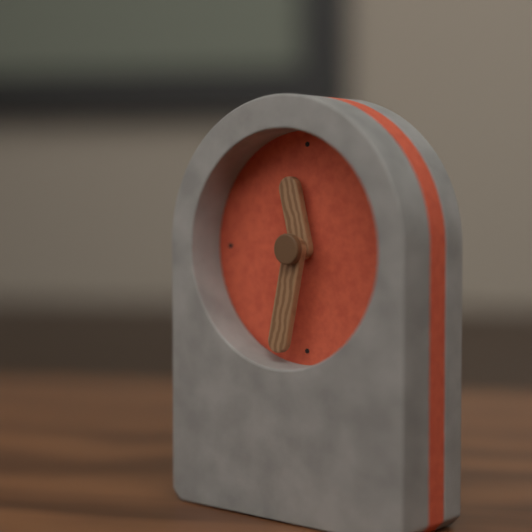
11:32
